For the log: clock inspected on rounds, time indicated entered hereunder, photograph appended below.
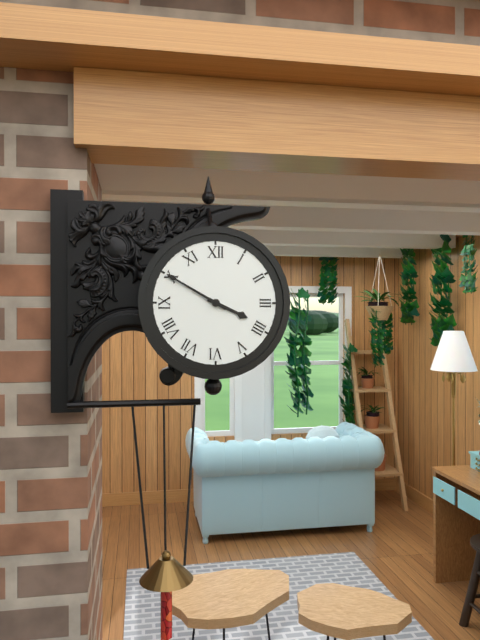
3:50
